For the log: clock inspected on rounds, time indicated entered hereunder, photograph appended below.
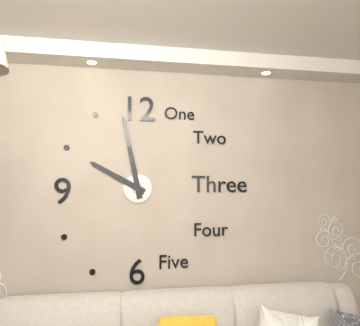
9:58
